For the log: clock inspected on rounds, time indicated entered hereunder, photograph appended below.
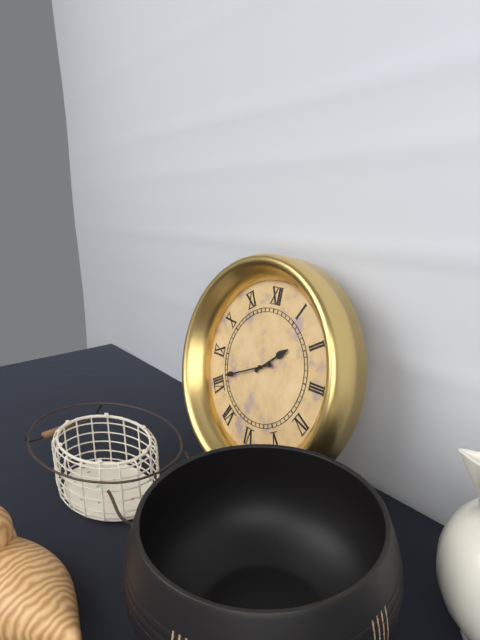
1:41
